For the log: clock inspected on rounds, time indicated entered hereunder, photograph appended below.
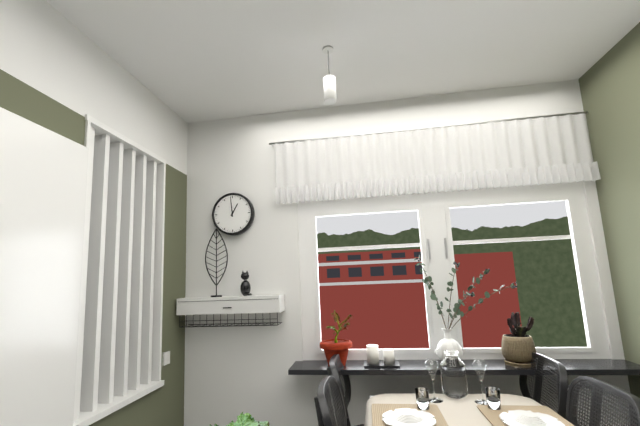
12:59
